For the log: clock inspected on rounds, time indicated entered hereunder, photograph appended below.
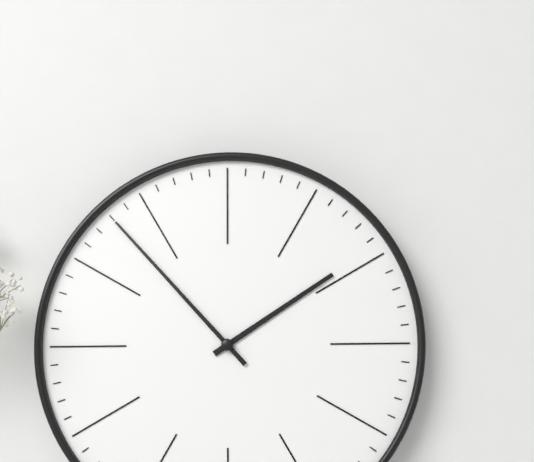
1:53
